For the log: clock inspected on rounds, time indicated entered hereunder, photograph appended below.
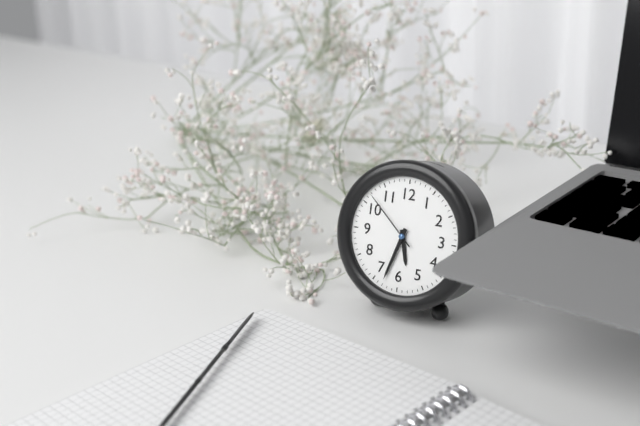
5:33:52
